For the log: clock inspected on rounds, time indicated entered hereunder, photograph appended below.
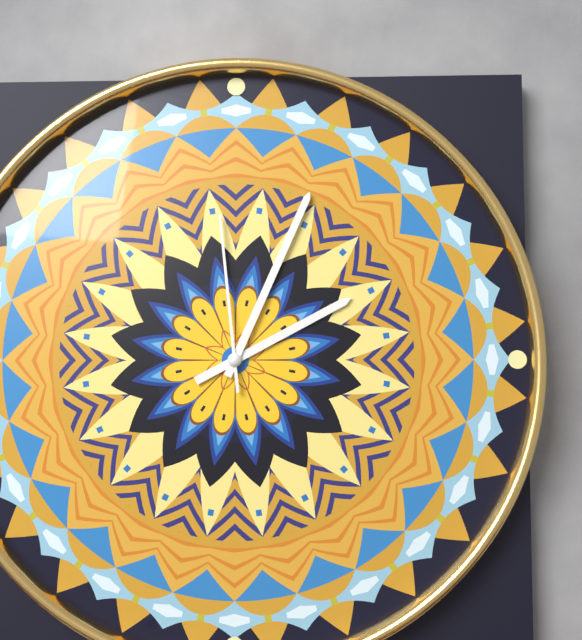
2:04:59
